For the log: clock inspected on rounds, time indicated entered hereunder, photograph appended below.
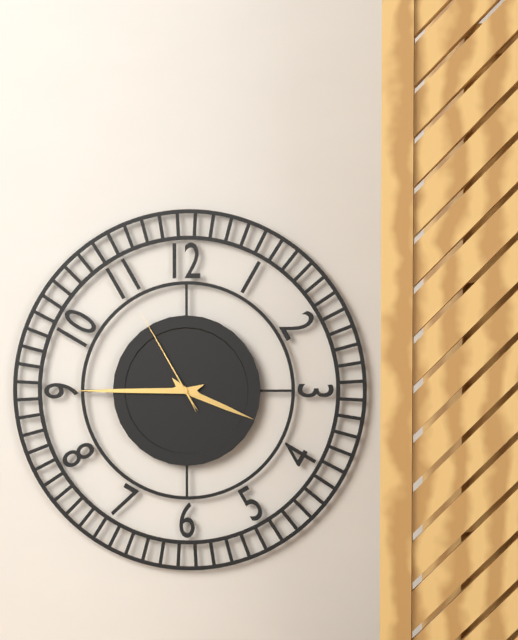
3:45:55
